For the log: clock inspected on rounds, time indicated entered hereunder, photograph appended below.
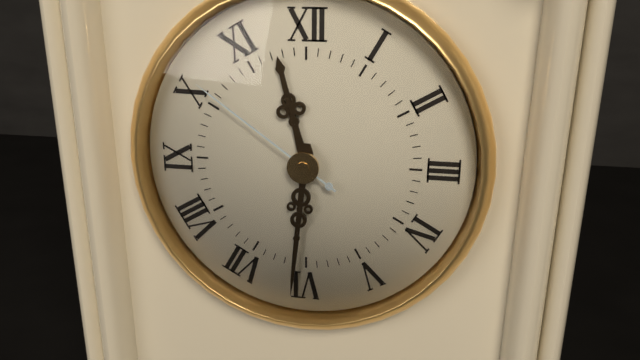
11:31:51
